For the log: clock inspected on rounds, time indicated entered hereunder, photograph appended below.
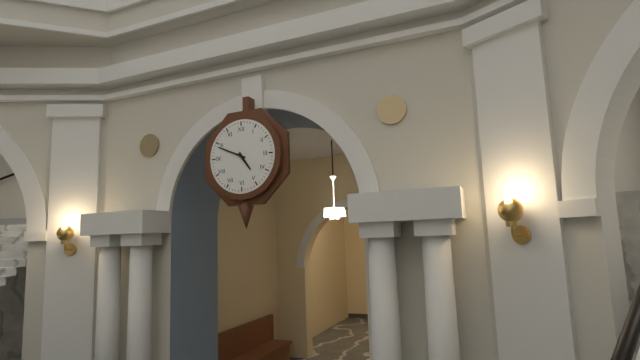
4:49
